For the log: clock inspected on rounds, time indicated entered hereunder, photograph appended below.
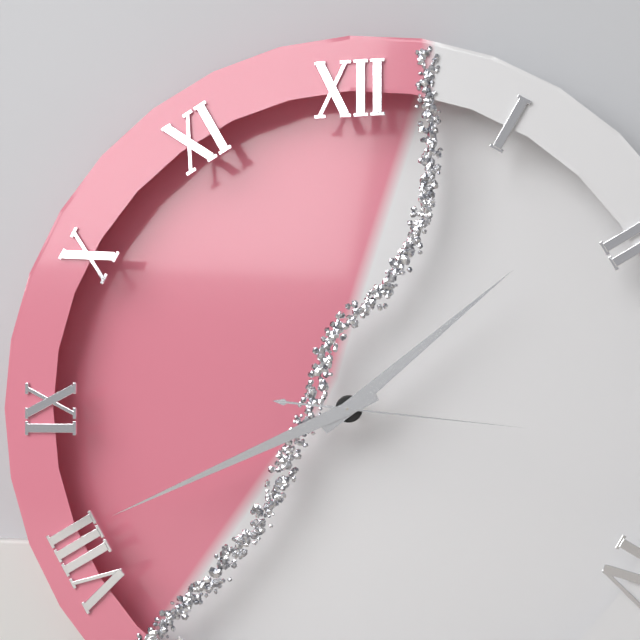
1:41:16
